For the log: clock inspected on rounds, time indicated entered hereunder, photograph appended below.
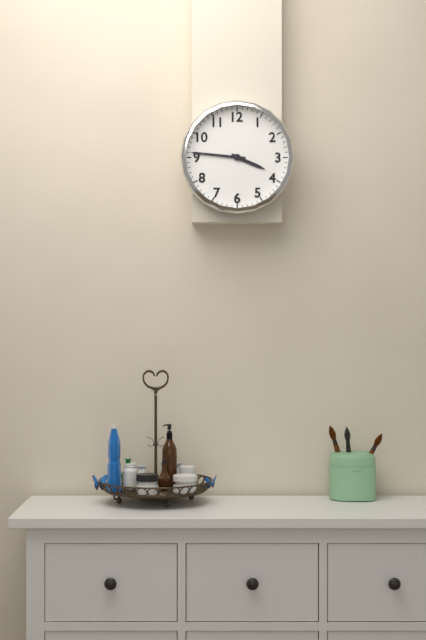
3:46
